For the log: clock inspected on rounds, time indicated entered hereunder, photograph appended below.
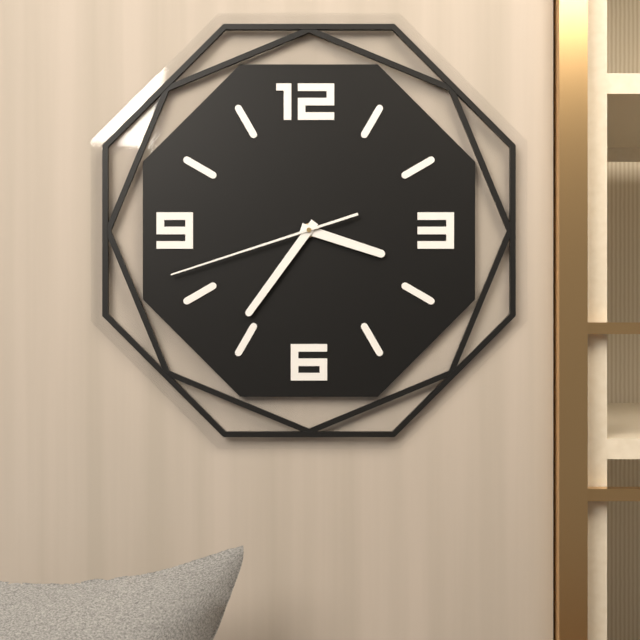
3:36:42
